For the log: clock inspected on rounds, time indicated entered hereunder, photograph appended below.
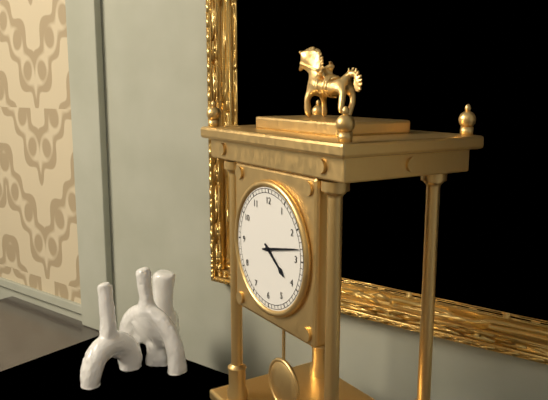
4:13
